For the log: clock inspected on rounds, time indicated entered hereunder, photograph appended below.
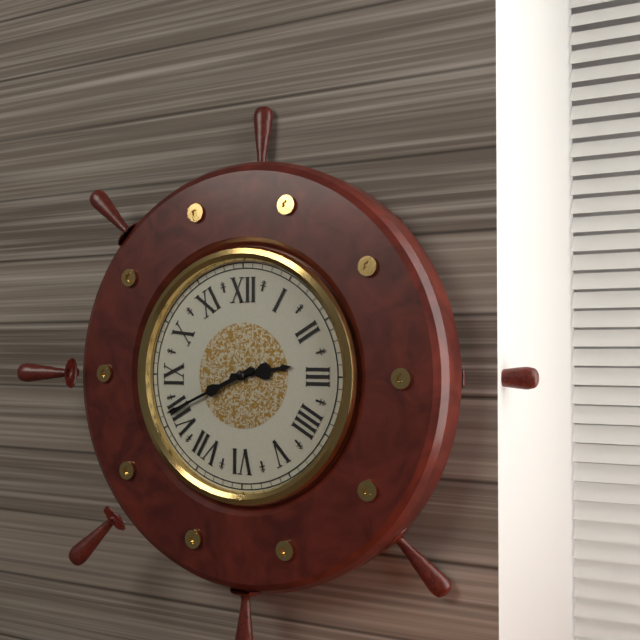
2:41
